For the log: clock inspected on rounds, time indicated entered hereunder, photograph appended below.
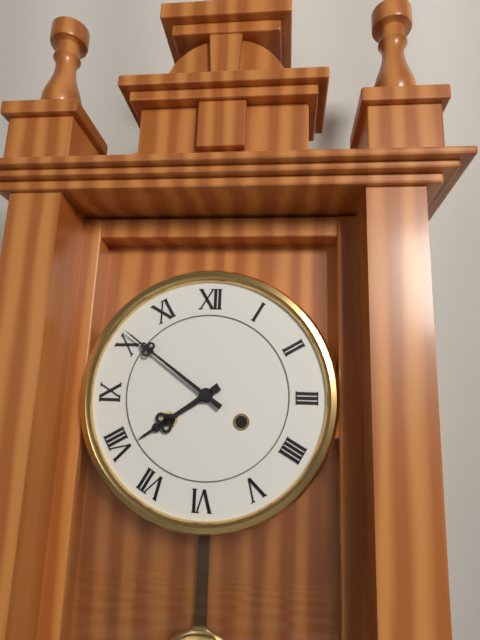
7:51
